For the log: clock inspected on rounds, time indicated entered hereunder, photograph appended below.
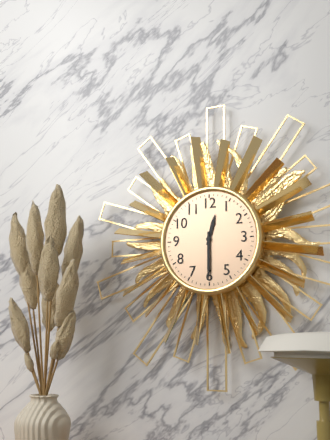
12:30
